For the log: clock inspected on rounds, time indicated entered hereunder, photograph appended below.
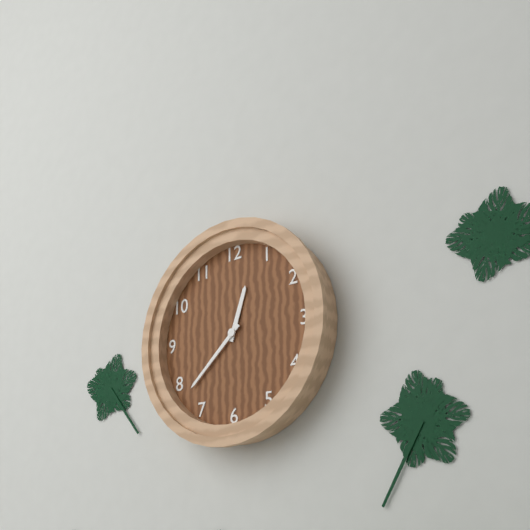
12:38
